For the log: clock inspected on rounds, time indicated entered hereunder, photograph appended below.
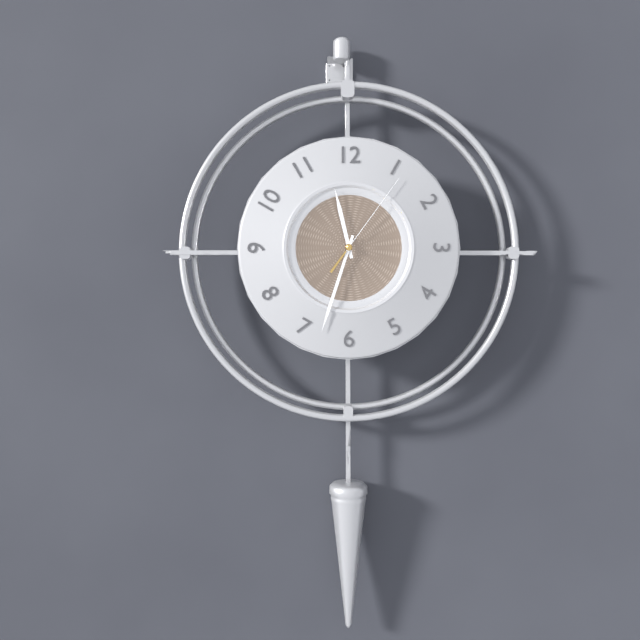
11:33:06
